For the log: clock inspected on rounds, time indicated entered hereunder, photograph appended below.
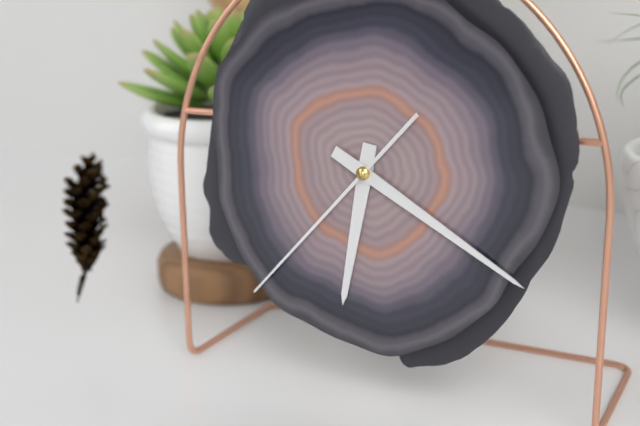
6:20:37
